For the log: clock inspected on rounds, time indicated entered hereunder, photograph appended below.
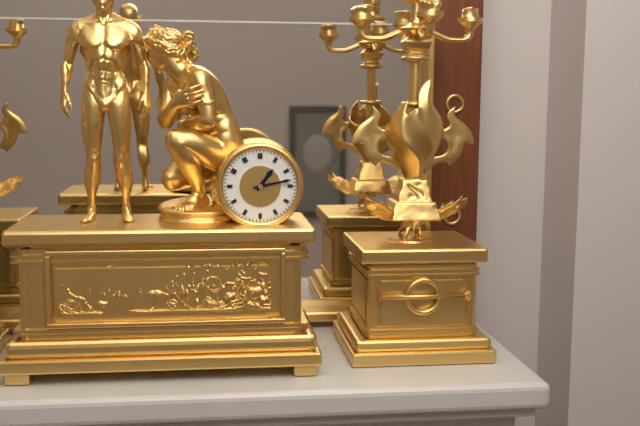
1:13
